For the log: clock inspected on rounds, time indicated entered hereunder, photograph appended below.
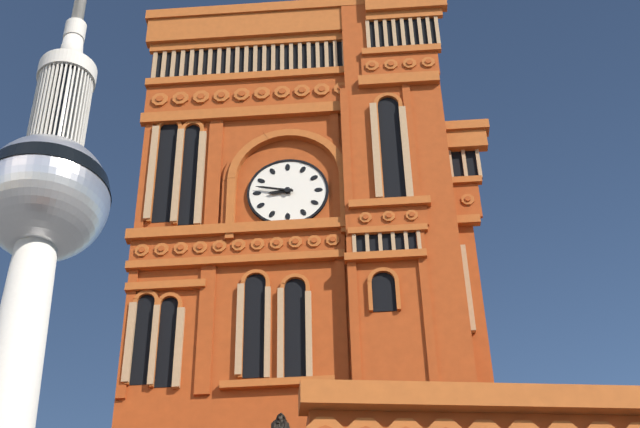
8:47
